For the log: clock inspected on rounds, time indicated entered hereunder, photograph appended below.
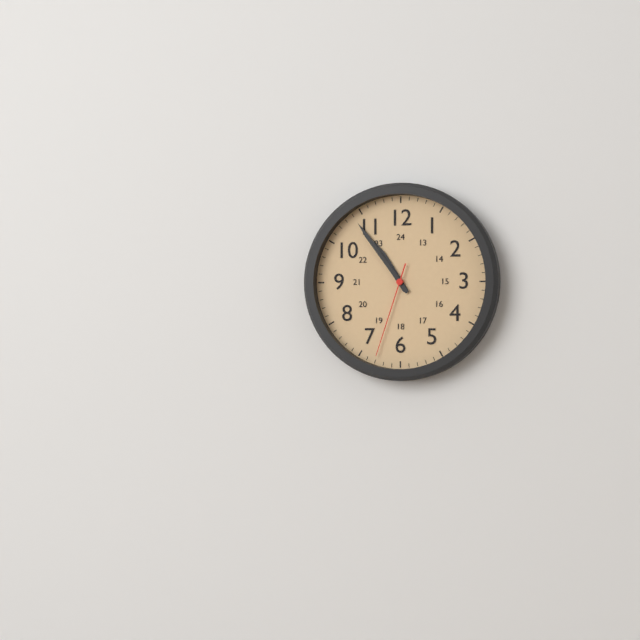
10:54:33
